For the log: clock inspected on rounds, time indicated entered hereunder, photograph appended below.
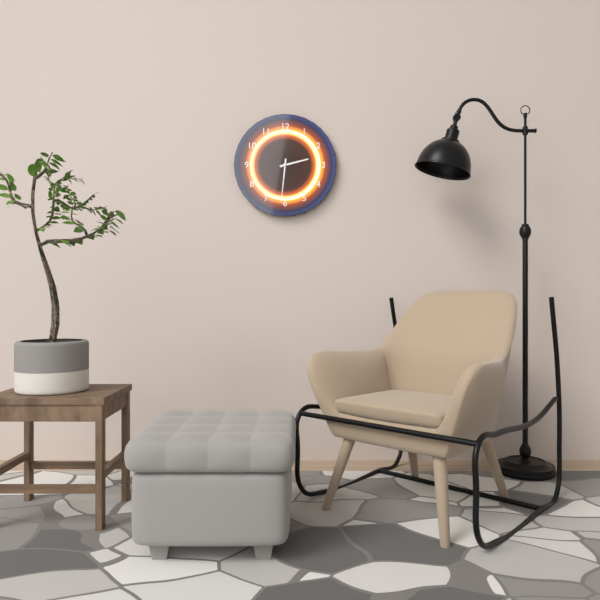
2:31
